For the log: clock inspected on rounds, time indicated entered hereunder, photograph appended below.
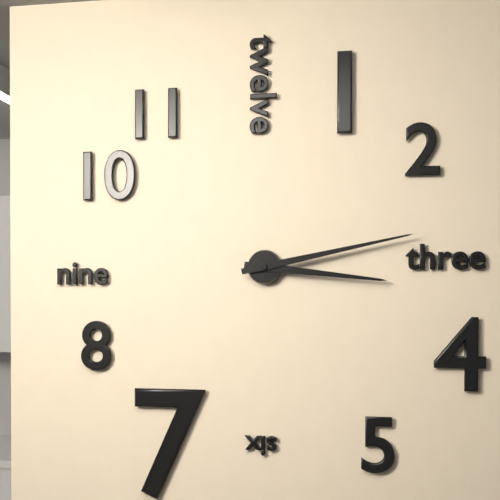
3:13
